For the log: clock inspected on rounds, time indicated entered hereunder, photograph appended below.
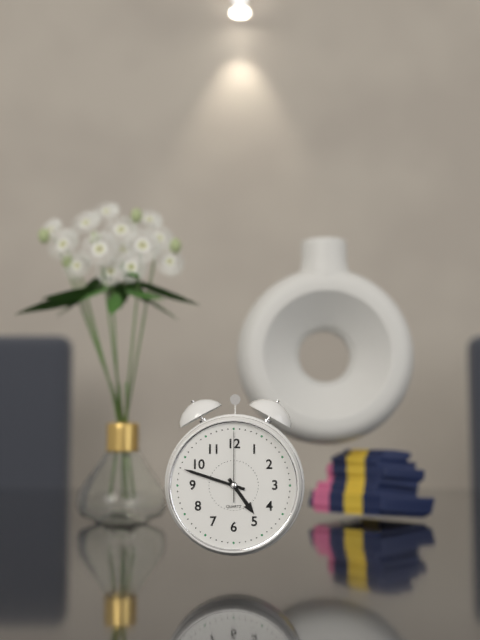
4:48:00
